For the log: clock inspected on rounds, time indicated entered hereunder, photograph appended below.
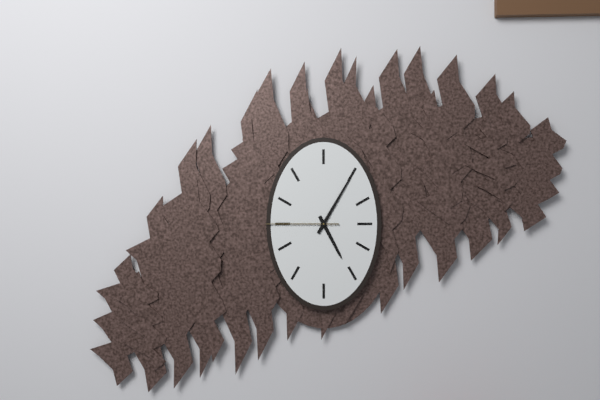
5:05:45
